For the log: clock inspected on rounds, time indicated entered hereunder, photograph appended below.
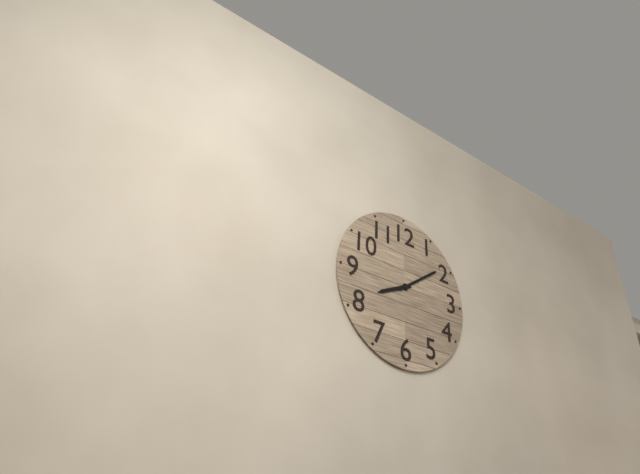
8:09
